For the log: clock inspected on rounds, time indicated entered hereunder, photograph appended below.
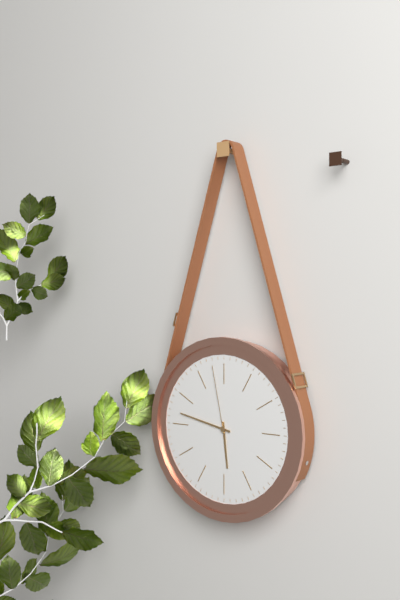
5:47:58
